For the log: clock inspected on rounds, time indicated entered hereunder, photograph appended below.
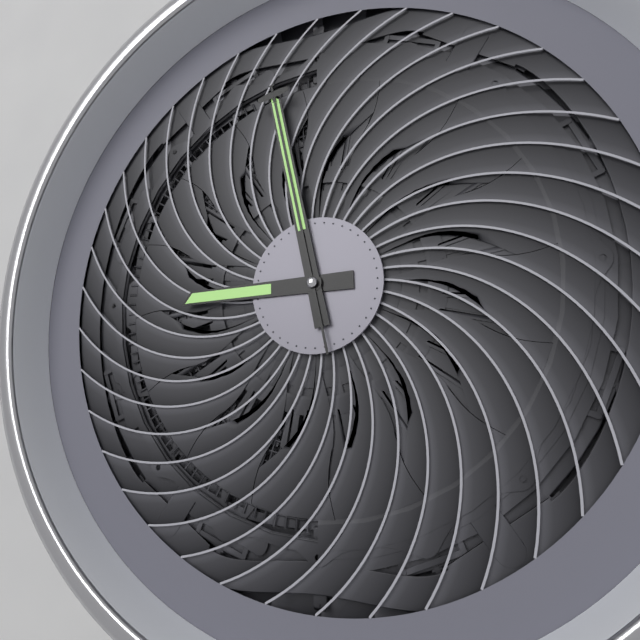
8:58:58
